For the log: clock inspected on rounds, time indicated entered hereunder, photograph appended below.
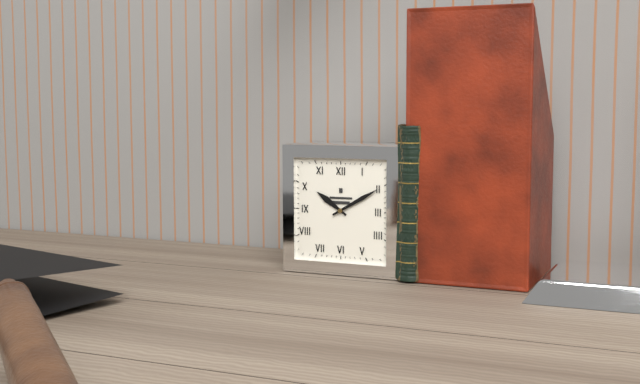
10:10
